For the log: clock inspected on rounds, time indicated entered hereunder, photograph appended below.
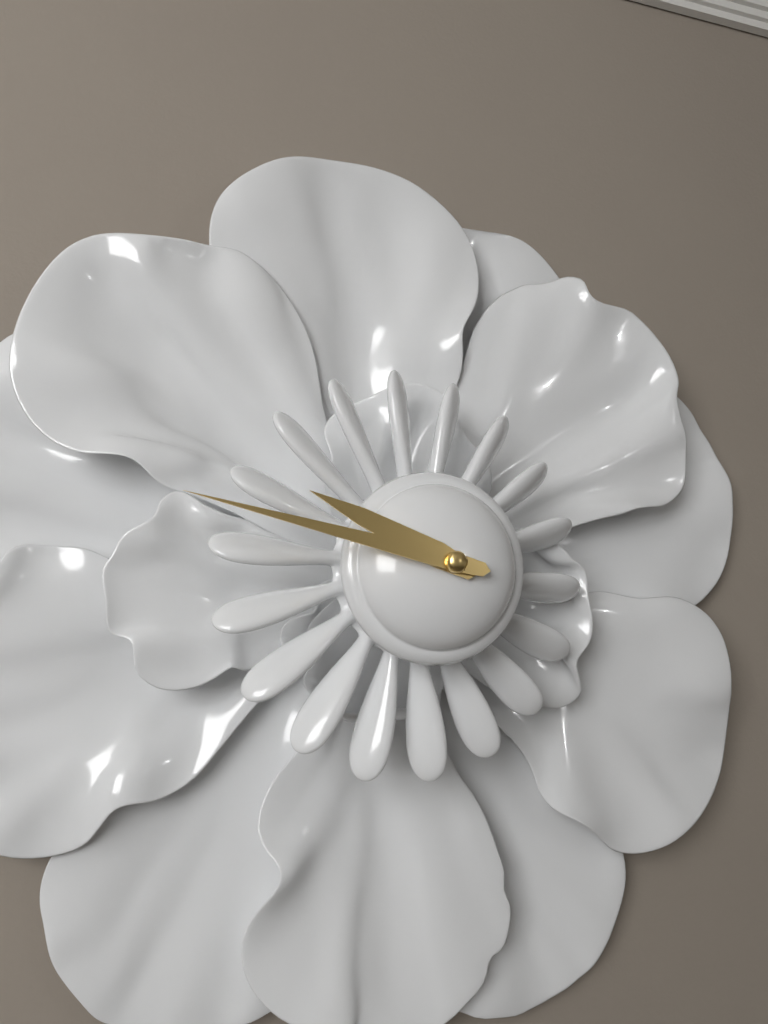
9:47
